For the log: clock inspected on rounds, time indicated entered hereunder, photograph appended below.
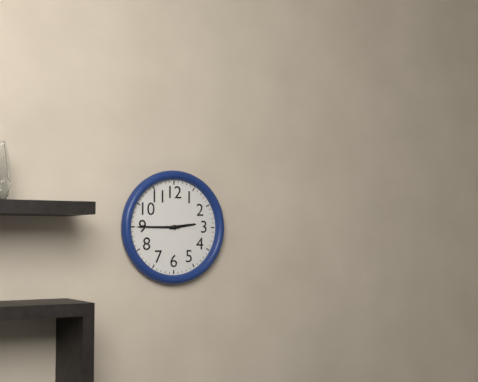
2:45
